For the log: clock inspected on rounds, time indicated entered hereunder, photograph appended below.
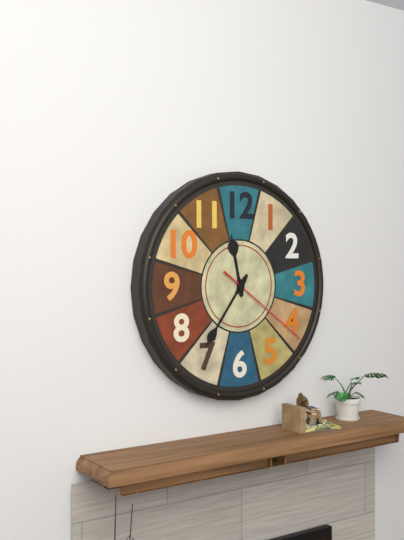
11:36:21
